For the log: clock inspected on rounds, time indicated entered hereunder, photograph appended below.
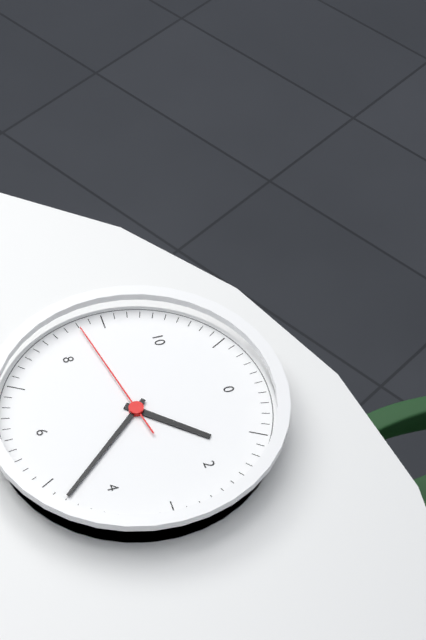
1:23:43
